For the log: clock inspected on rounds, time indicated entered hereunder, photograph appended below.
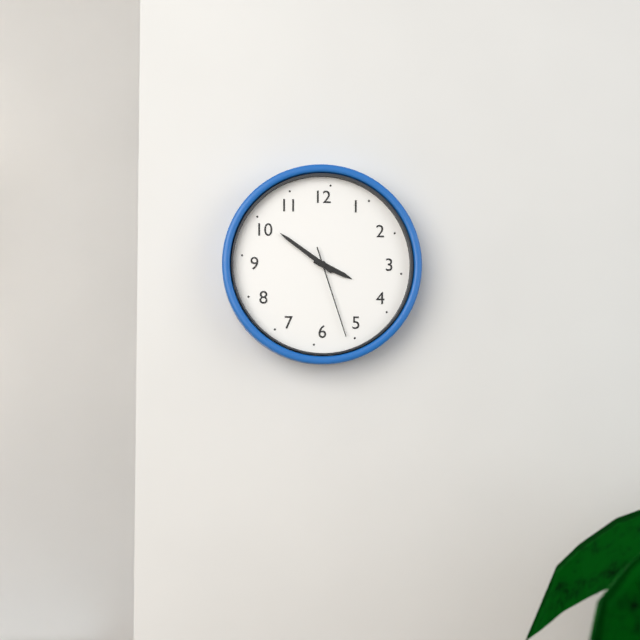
3:51:27
